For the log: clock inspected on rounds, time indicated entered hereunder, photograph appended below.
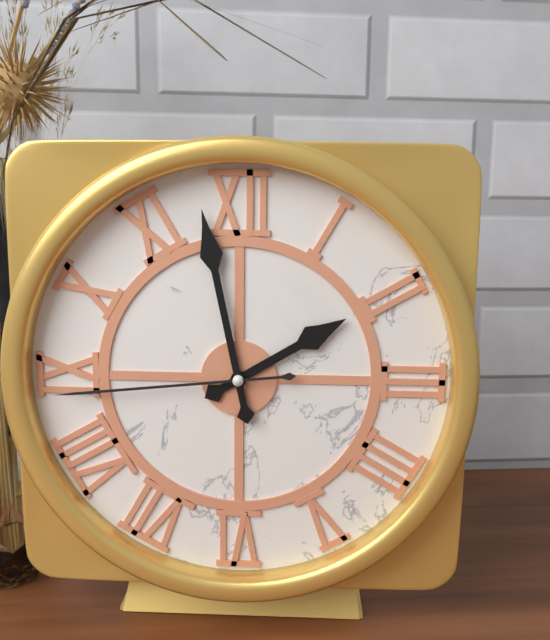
1:58:44
